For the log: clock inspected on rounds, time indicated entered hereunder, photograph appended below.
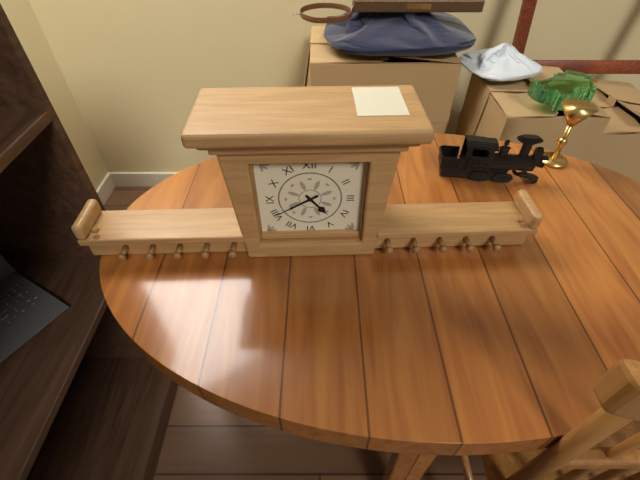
4:40
